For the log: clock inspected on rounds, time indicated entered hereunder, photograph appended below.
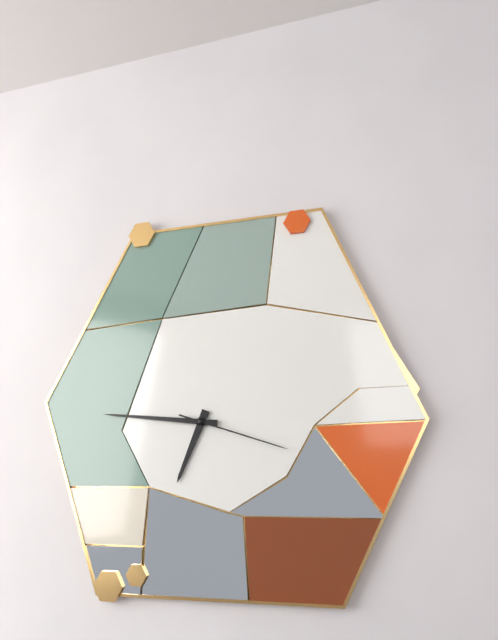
6:46:18
